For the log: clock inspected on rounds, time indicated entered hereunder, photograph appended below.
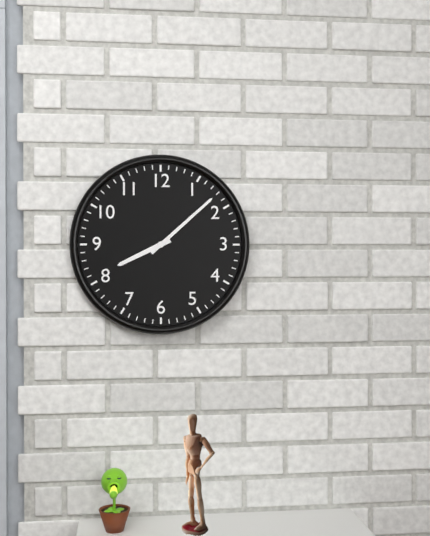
8:08
